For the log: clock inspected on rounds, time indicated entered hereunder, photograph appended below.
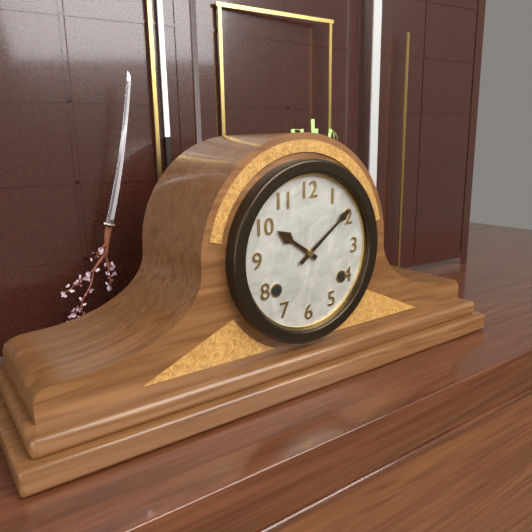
10:09
